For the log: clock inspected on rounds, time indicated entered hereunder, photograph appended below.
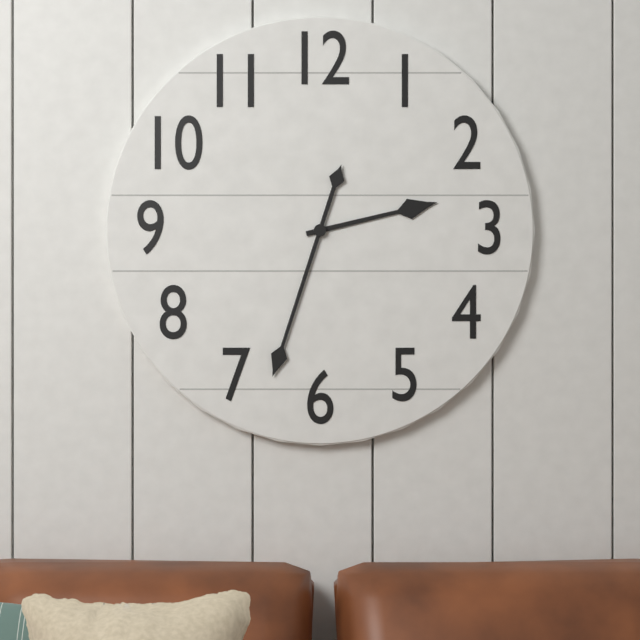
2:33
